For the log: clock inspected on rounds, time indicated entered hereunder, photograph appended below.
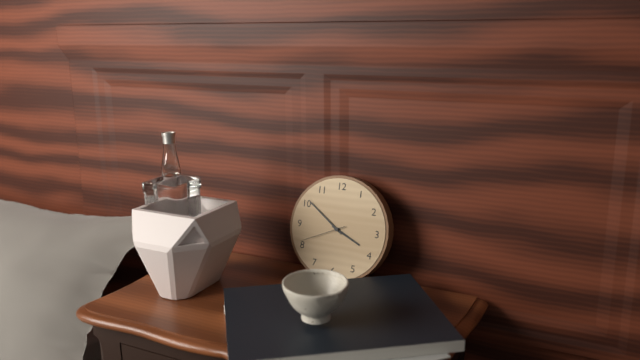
3:51
